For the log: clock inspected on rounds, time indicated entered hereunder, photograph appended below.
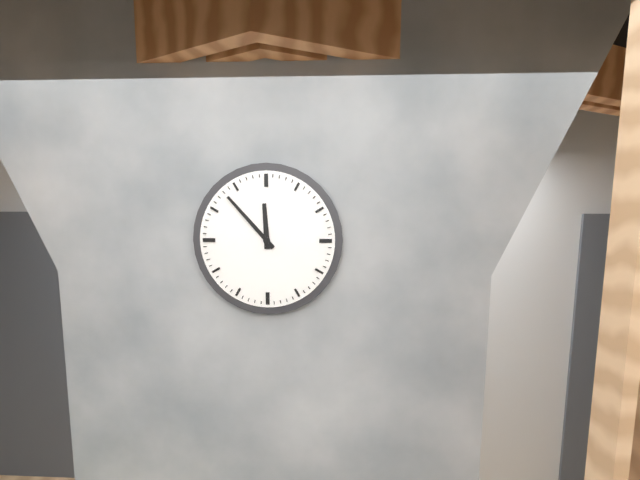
11:53
